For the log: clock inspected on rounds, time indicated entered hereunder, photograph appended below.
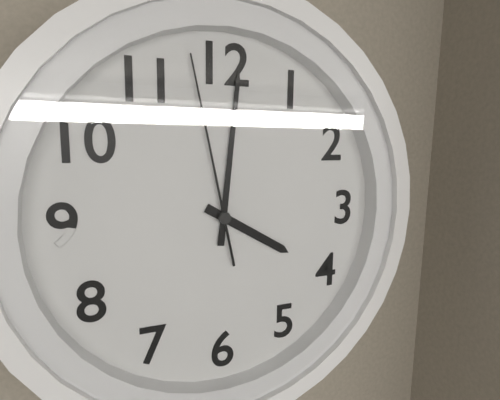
4:01:58
